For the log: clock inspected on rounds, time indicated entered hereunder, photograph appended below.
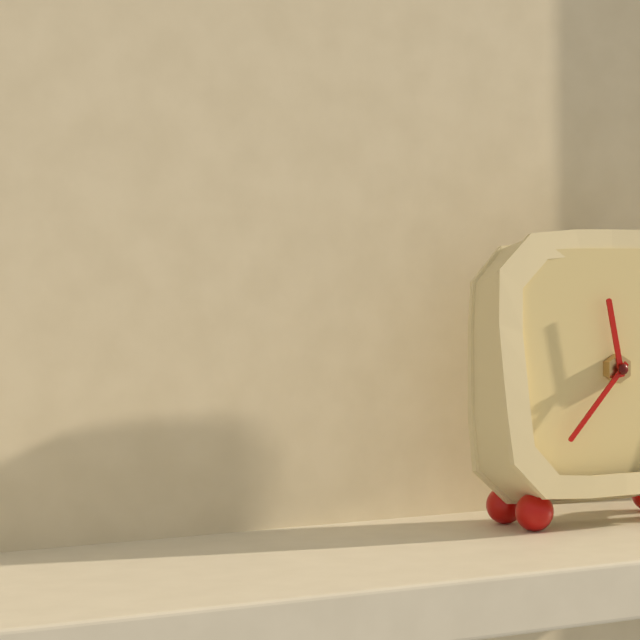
11:37
